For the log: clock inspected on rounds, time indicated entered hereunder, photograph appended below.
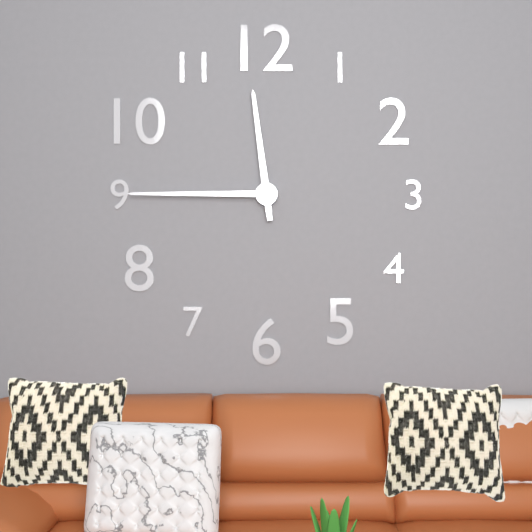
11:45
